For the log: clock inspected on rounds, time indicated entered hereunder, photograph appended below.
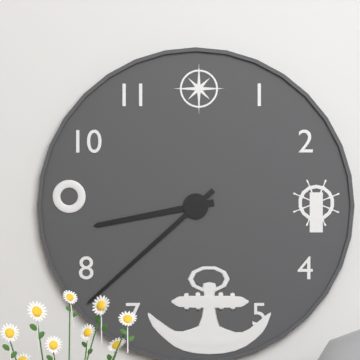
8:38
